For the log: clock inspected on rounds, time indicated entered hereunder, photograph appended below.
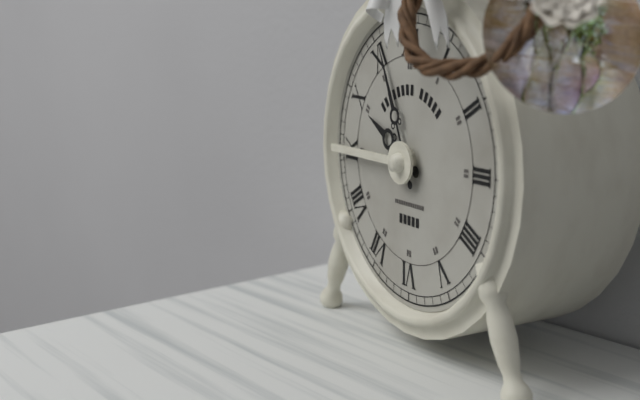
9:56
